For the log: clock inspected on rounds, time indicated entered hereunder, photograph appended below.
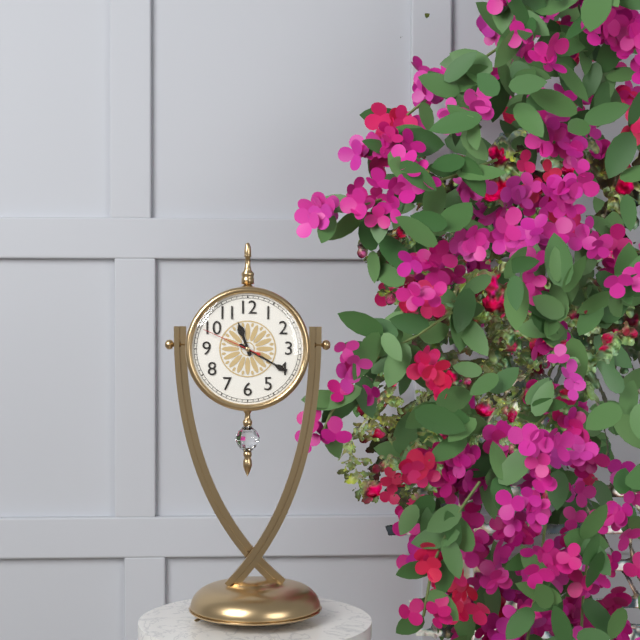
11:20:49
